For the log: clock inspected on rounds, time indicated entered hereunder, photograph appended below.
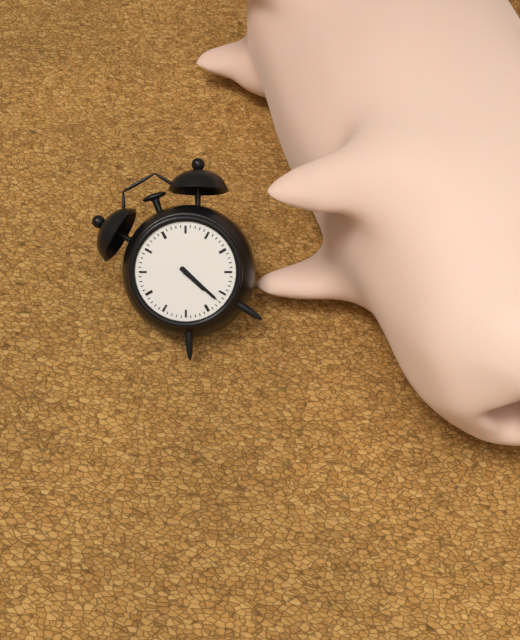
5:27
